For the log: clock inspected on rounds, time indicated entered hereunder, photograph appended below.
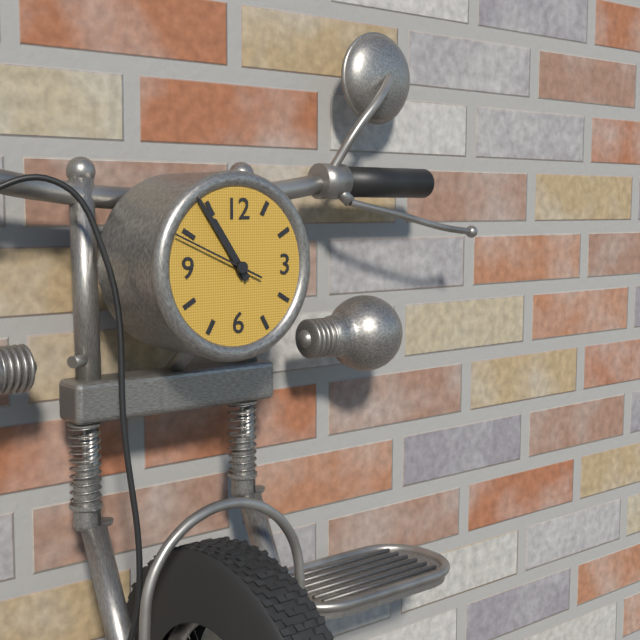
10:54:49
